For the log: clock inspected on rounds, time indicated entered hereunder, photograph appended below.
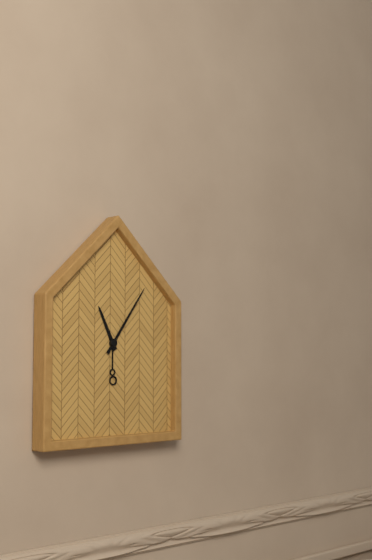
11:06
